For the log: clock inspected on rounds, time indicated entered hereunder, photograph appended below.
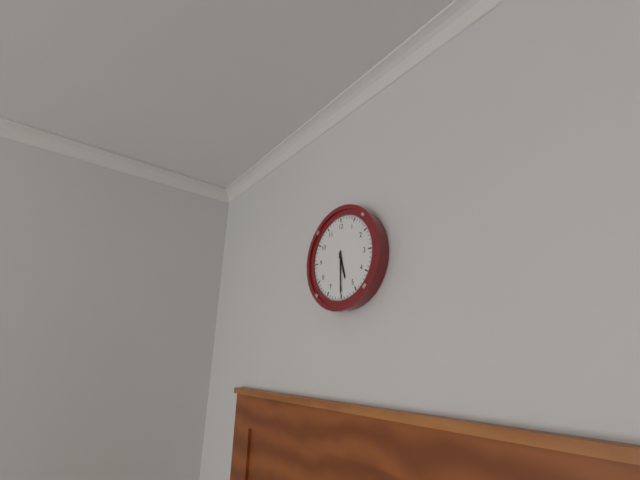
5:30
